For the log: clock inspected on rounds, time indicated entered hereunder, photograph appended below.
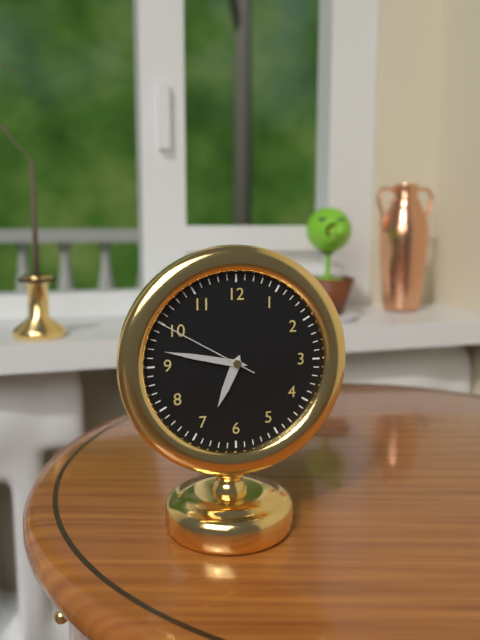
6:47:50
